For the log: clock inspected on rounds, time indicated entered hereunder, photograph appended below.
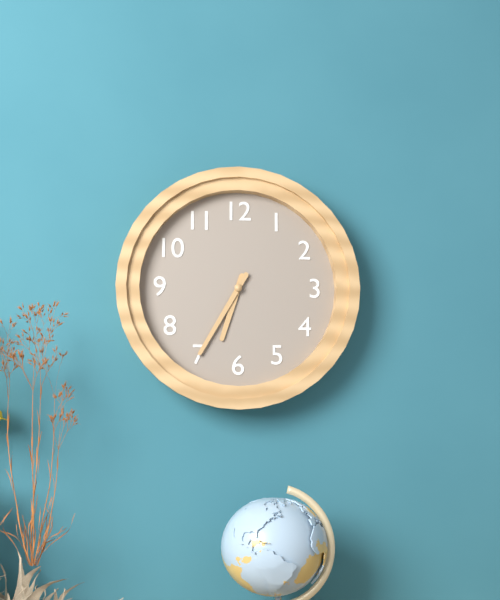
6:35
